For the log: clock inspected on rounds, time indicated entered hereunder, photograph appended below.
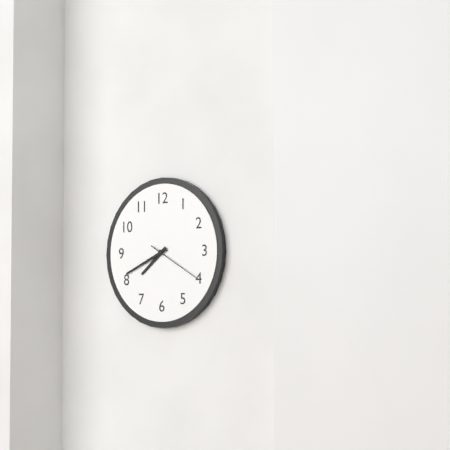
7:41
